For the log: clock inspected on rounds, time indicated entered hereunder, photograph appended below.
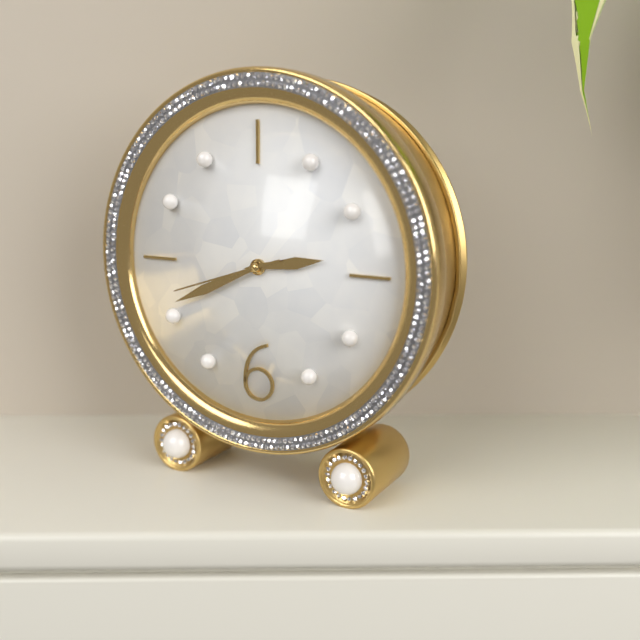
2:41:42
